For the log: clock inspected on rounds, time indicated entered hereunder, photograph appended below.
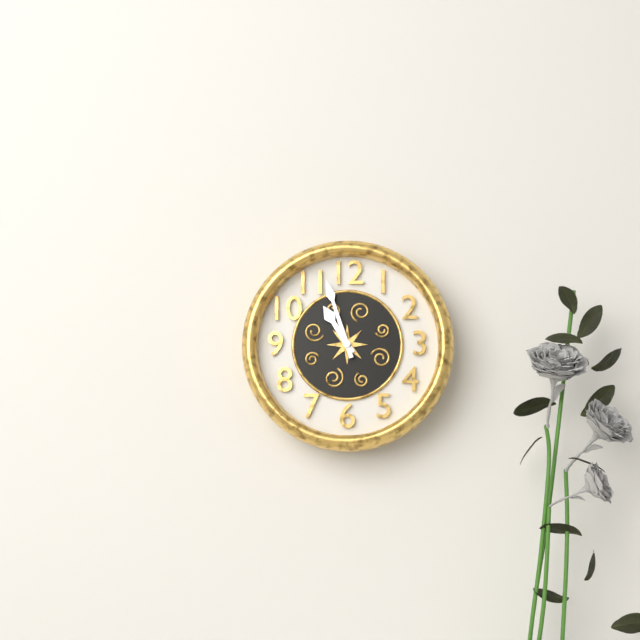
10:57
